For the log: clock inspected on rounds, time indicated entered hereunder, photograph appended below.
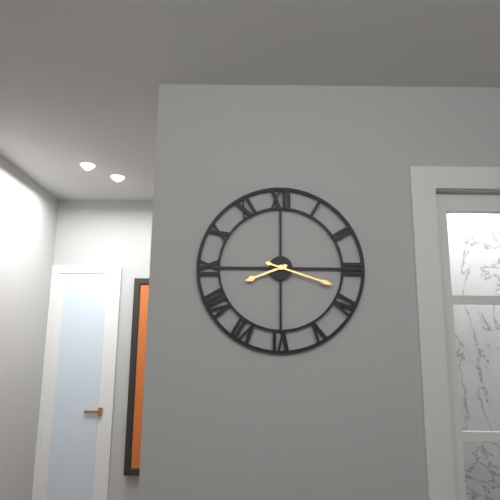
8:18
